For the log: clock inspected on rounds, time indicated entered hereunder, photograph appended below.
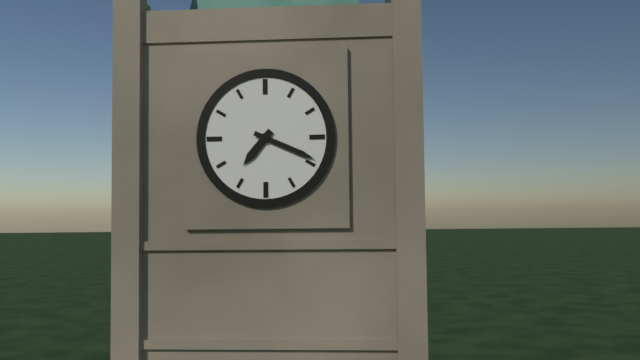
7:19
